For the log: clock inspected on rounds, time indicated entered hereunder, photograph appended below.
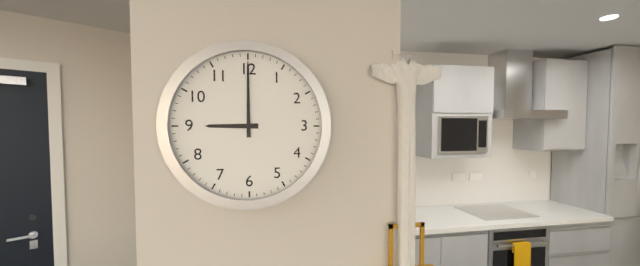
9:00
